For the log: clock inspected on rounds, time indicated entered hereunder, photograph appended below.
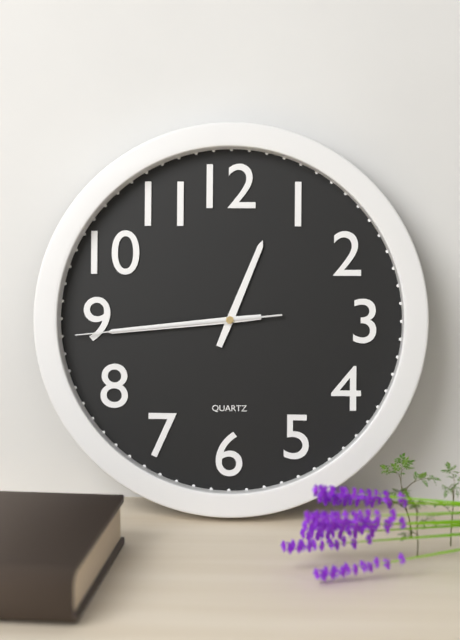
12:44:44
